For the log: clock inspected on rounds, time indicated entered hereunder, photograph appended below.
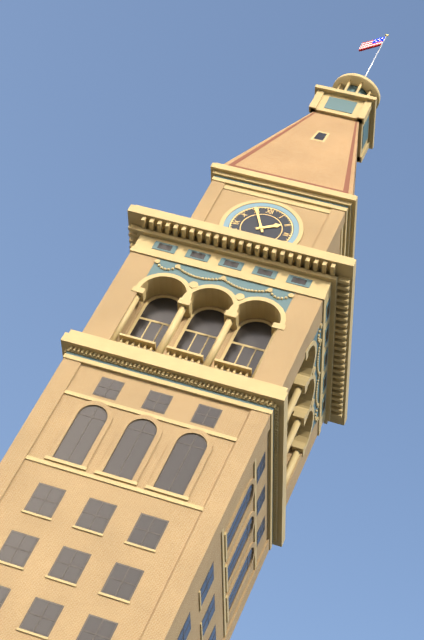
1:55
